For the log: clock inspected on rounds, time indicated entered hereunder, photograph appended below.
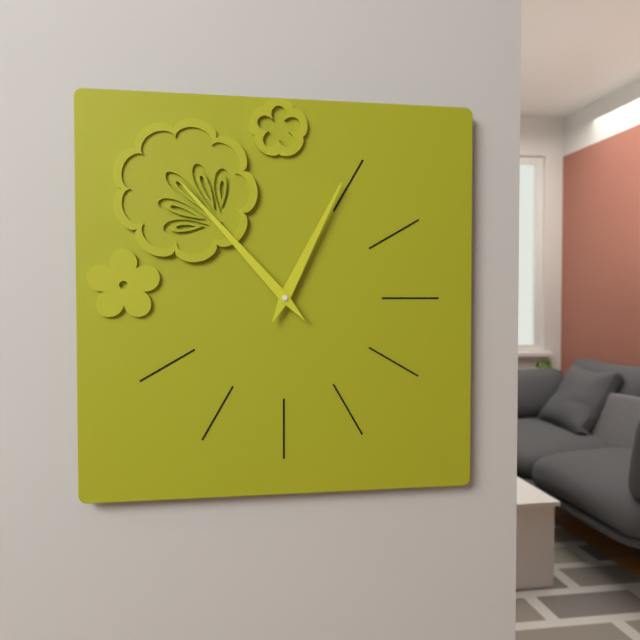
12:53
